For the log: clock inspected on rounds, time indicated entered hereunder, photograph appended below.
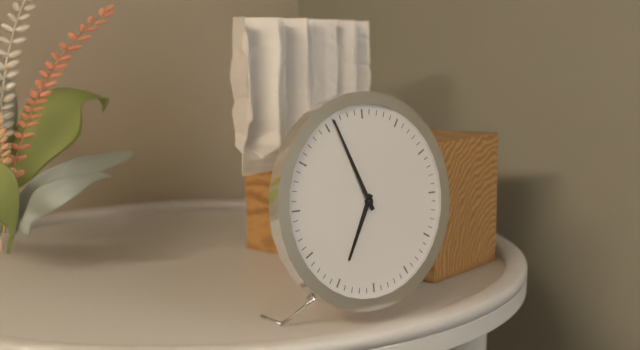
6:56
